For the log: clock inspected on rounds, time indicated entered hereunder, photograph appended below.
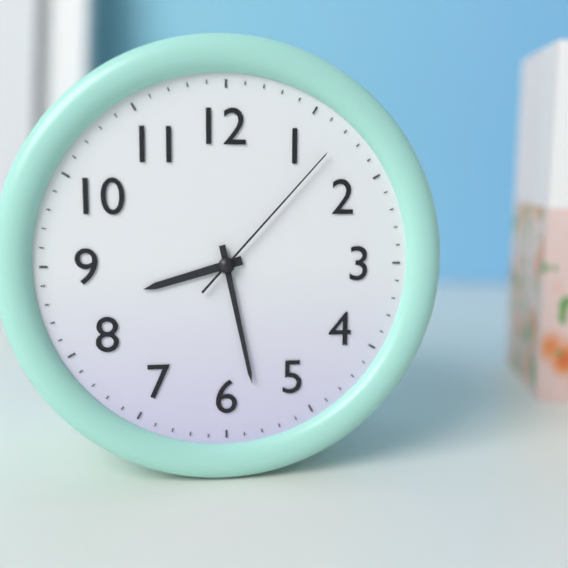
8:28:07
